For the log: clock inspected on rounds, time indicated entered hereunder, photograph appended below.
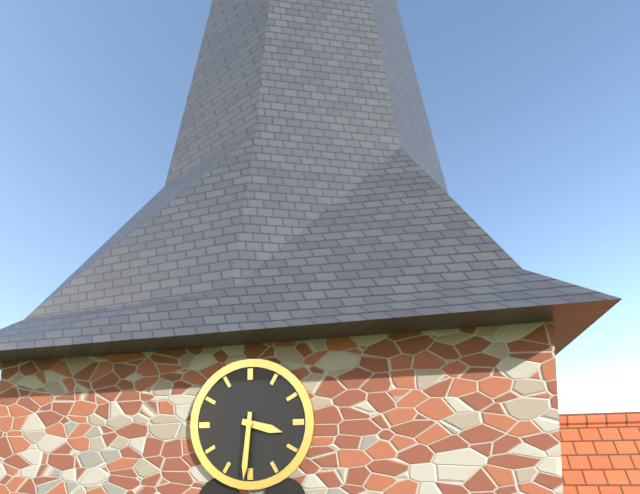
3:31
